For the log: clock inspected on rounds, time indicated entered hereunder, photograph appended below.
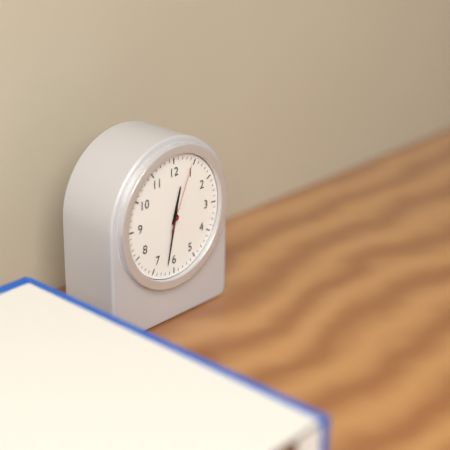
12:32:04
